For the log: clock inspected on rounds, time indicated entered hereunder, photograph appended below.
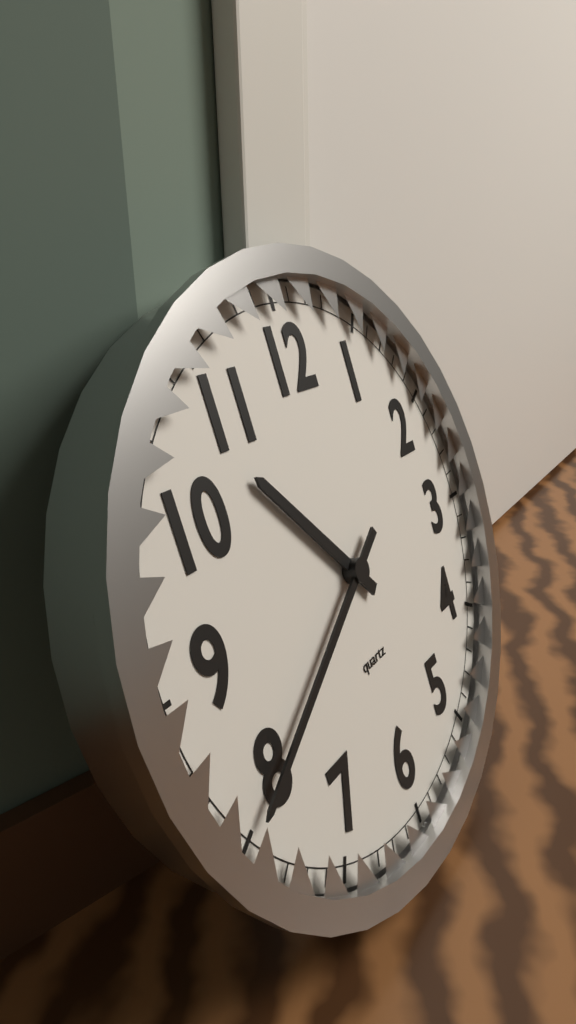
10:40
